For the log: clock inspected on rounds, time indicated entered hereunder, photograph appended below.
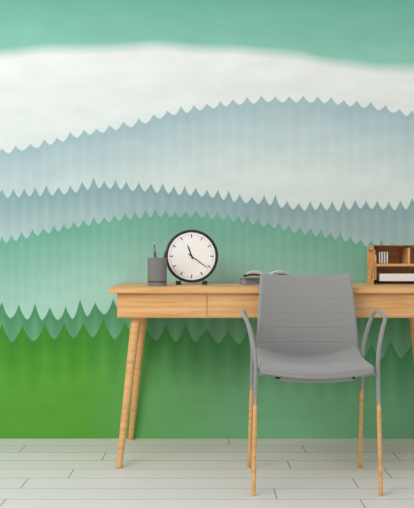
11:21
